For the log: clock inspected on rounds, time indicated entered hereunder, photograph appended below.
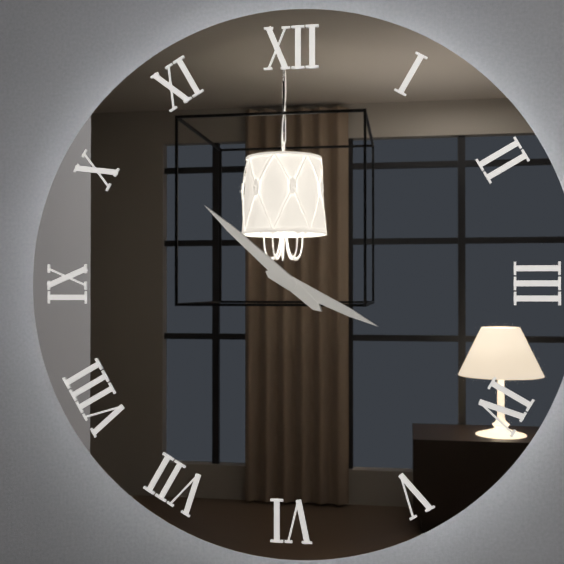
3:52
